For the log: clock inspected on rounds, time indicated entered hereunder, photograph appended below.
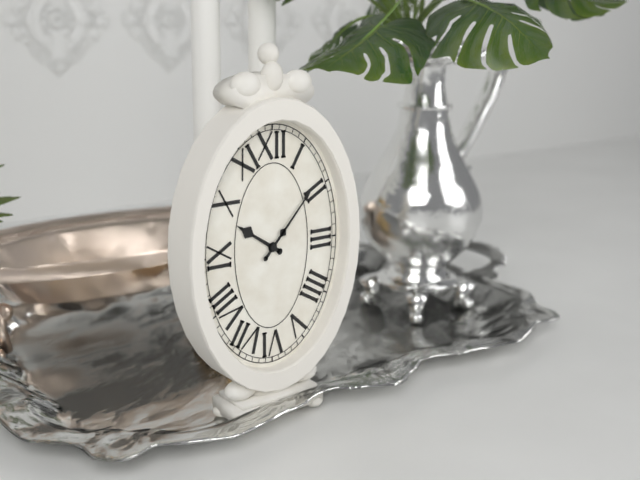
10:07
